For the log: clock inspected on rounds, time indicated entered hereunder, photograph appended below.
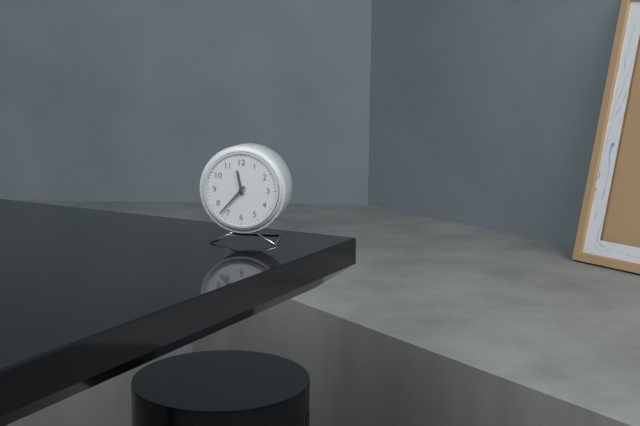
11:37
